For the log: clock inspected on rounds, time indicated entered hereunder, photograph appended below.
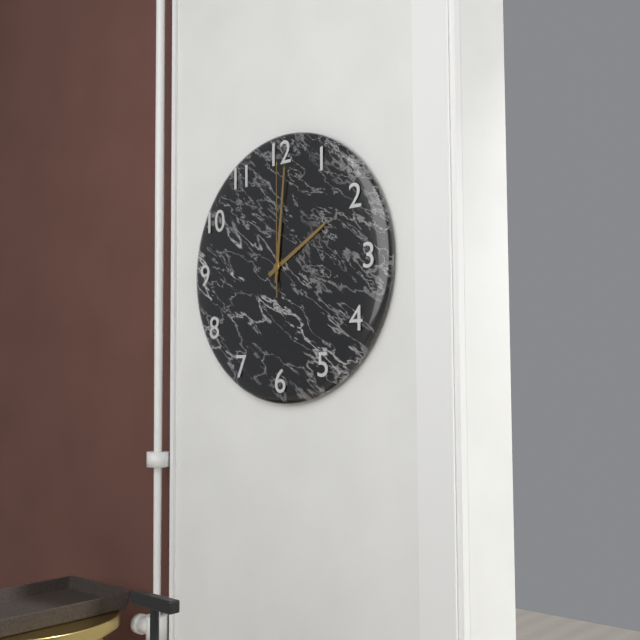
2:01:00
